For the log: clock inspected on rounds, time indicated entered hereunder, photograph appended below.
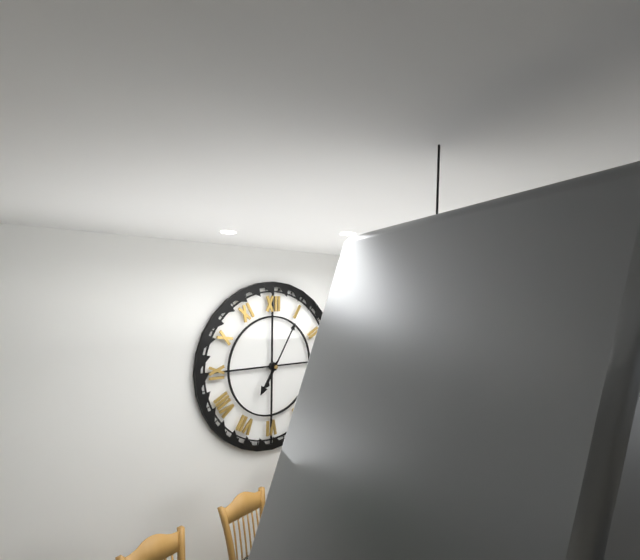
7:05
